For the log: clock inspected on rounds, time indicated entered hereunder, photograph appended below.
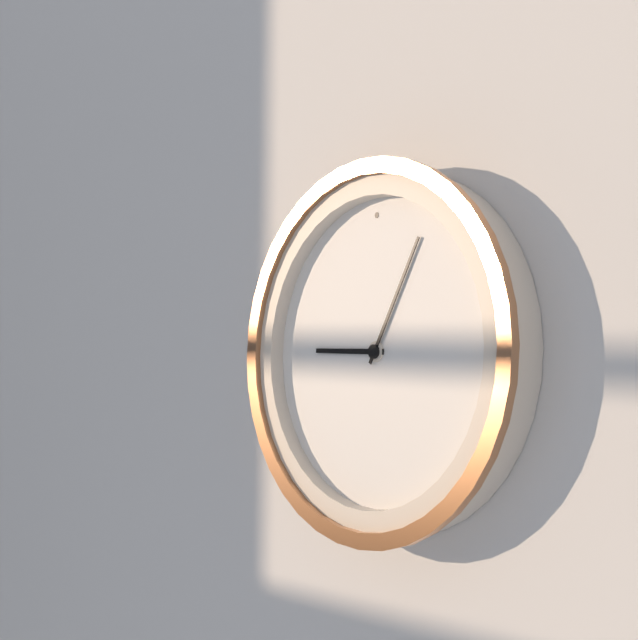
9:05
